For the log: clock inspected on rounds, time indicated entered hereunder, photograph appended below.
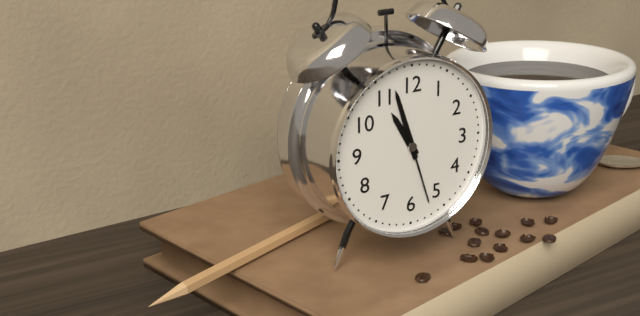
10:57:27
